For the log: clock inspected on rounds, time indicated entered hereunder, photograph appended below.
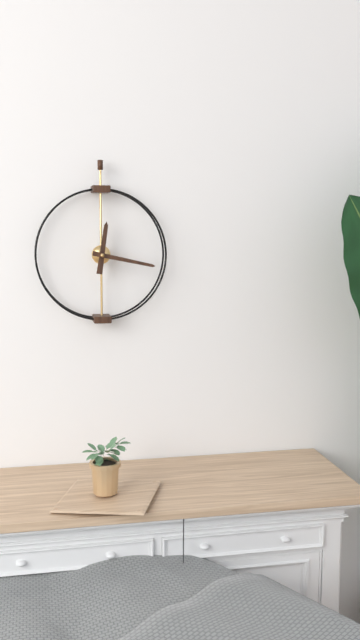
12:17
